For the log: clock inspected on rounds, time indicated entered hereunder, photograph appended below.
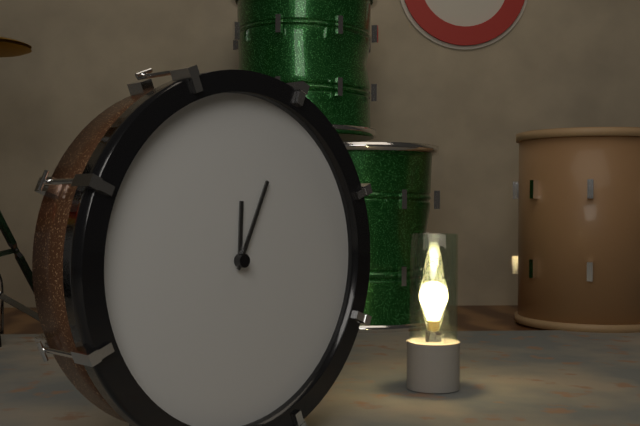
12:04
